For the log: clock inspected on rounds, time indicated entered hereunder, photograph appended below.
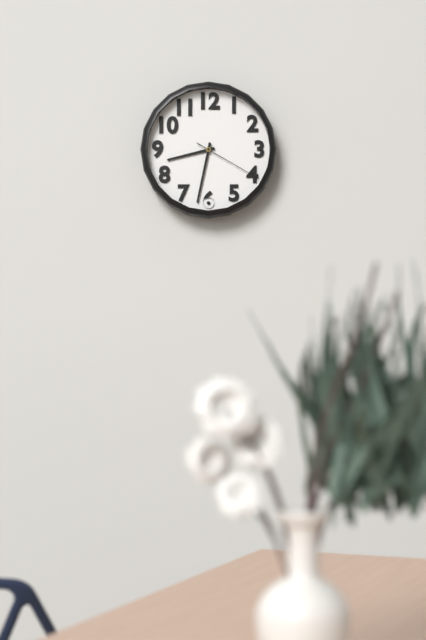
8:32:20
